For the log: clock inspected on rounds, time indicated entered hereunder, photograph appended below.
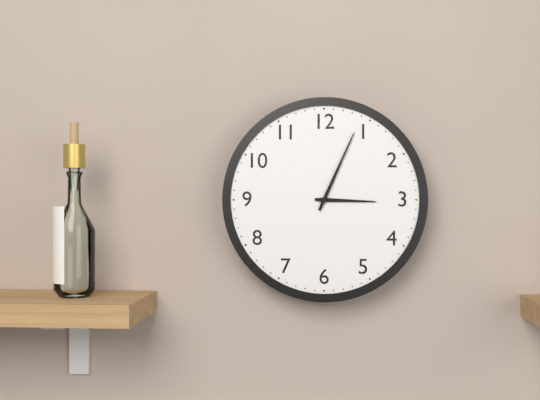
3:04
